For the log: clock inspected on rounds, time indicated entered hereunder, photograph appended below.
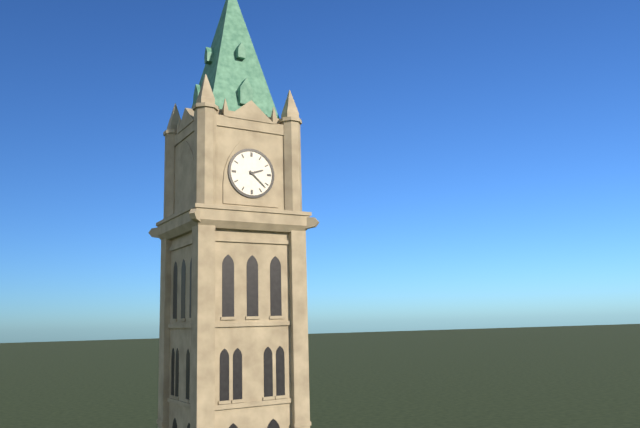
2:22
